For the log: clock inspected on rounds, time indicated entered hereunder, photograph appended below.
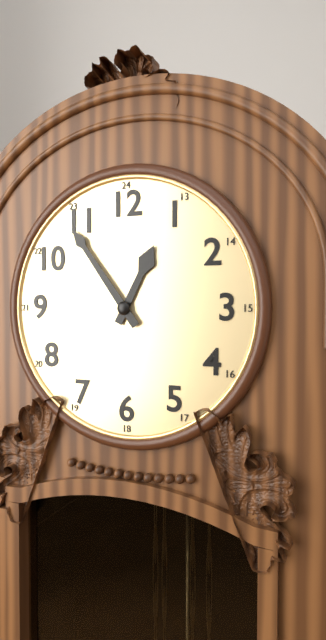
12:54
